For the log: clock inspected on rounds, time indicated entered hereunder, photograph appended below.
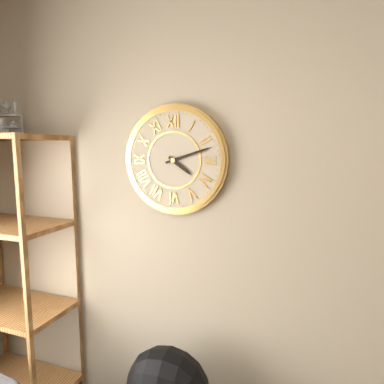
4:12
